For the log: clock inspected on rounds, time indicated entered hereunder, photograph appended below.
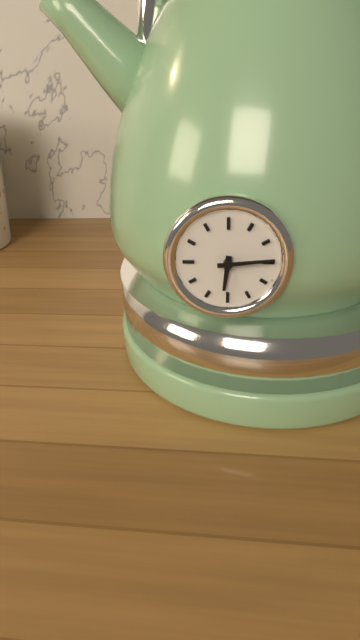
6:14
